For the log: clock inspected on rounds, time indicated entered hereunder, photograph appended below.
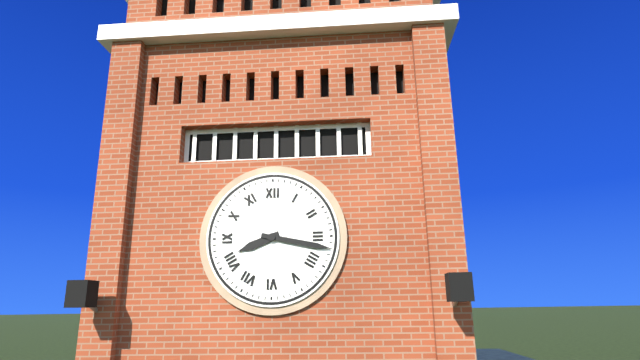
8:17
